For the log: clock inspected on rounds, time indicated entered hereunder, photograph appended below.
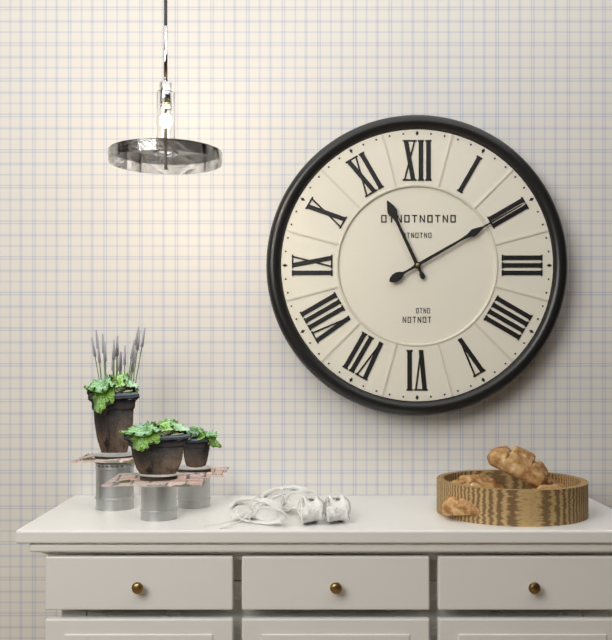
11:10
